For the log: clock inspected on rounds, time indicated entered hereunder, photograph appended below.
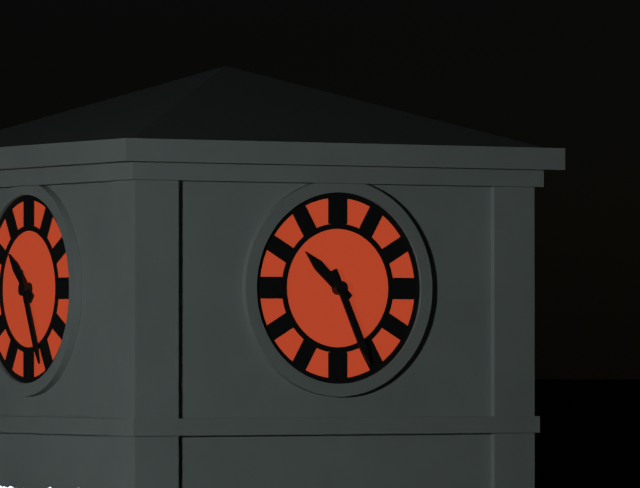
10:26
